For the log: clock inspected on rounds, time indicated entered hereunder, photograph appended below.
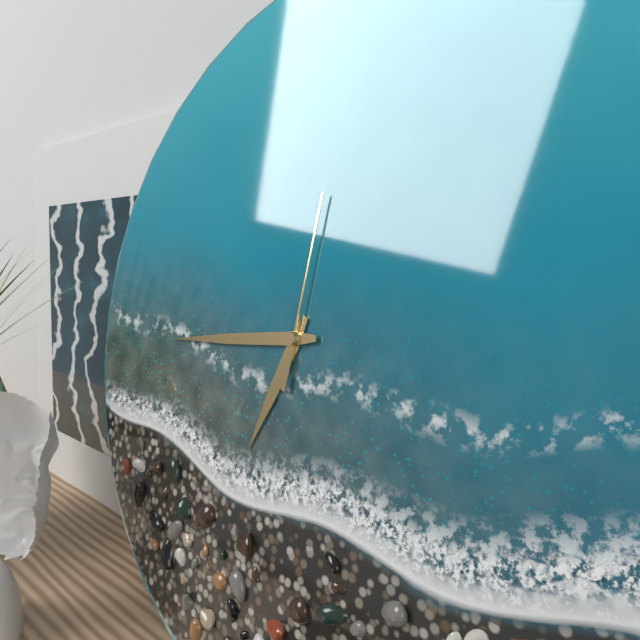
6:44:01
